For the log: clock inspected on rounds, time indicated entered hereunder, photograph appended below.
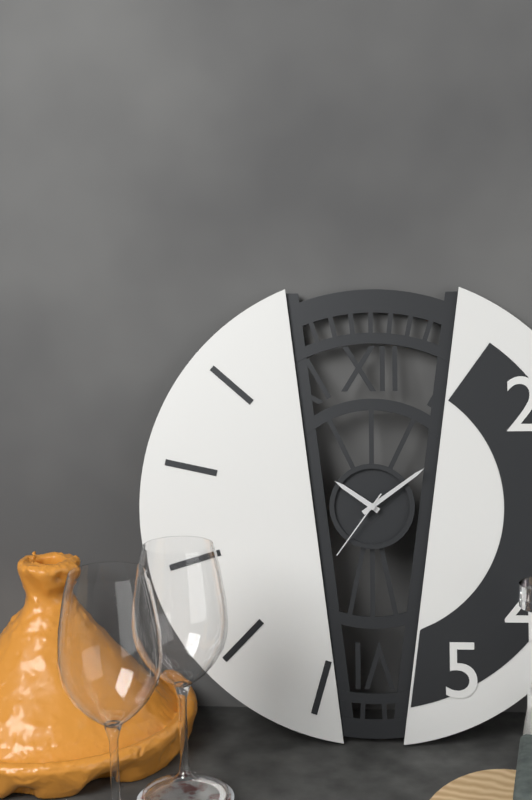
10:09:36
